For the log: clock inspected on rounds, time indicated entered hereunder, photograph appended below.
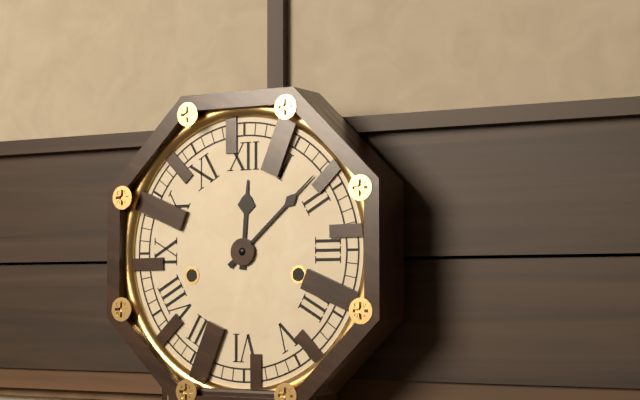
12:08
